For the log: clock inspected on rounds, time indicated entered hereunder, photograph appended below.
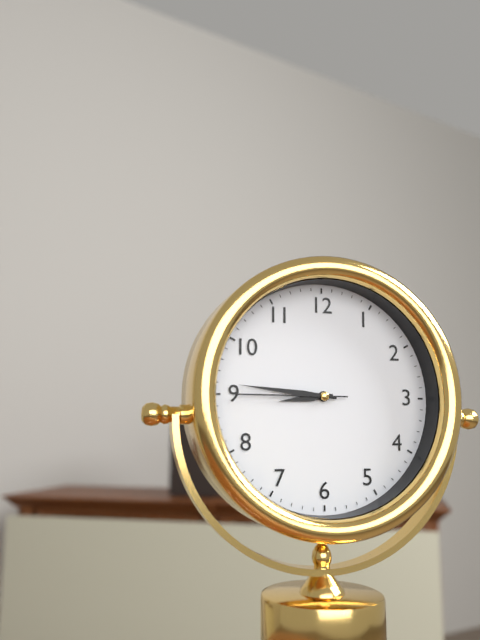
8:46:45
